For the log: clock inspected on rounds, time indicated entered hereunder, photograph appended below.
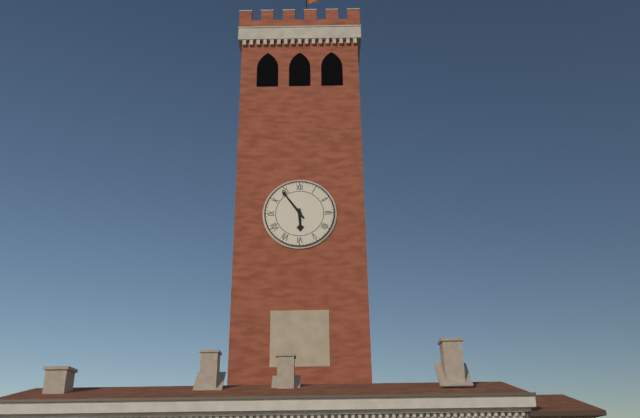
5:54
